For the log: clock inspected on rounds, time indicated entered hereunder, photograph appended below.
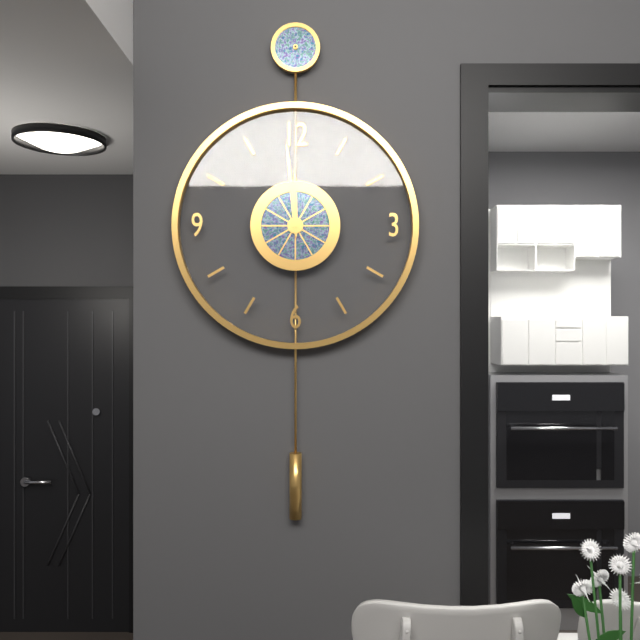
11:59
